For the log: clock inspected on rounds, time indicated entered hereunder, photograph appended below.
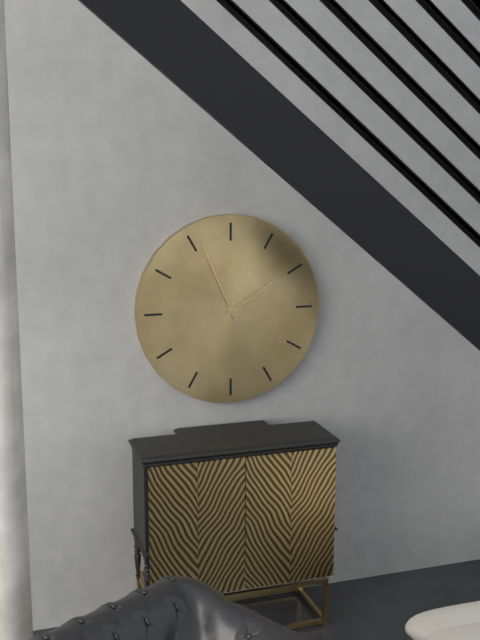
1:56
